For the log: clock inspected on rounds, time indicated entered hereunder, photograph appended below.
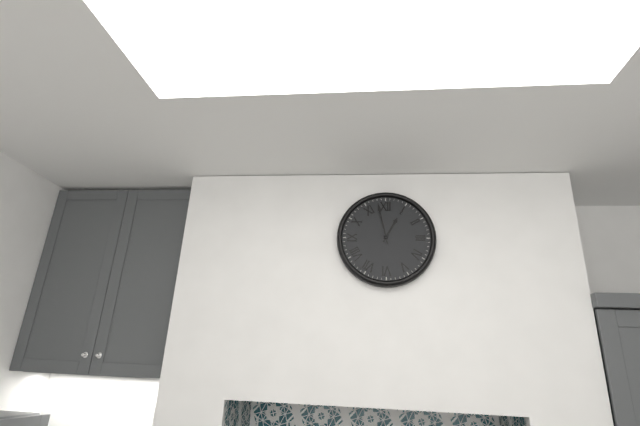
12:58
